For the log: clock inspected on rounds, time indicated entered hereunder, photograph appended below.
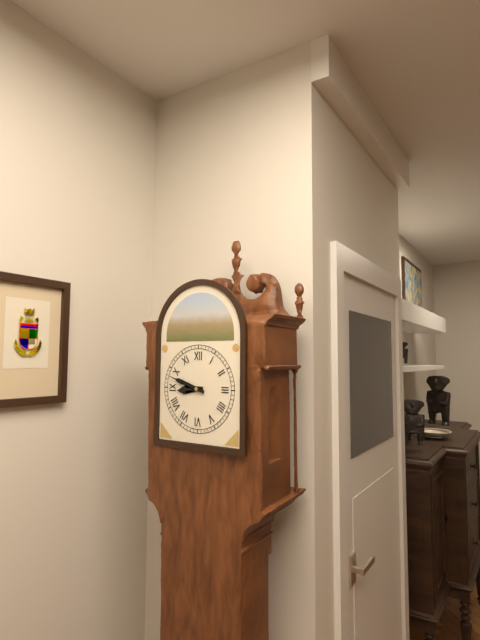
8:48
